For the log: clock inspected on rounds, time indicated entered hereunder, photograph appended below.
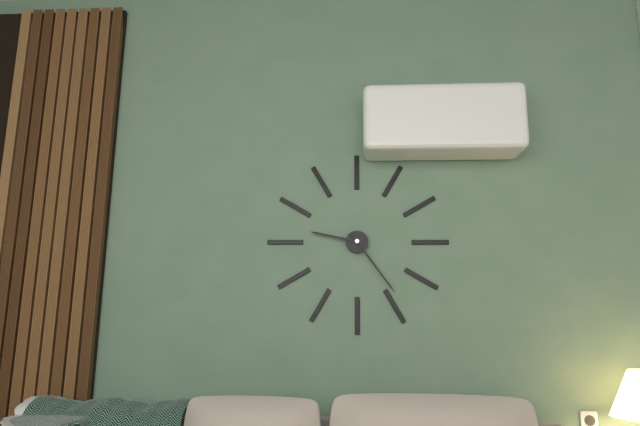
9:24
